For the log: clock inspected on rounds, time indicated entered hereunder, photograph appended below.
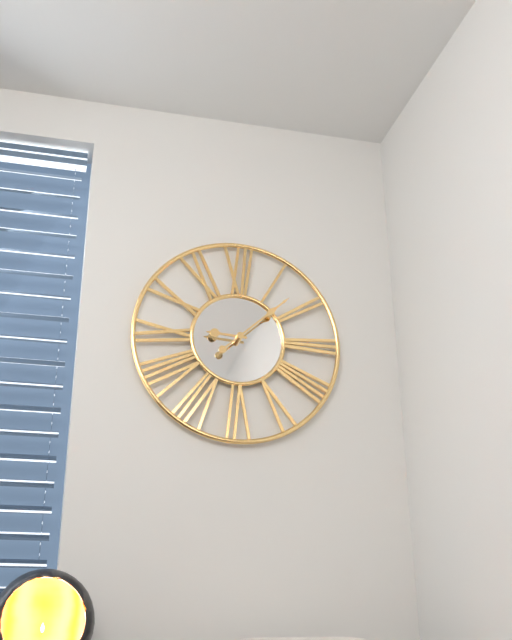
9:08
